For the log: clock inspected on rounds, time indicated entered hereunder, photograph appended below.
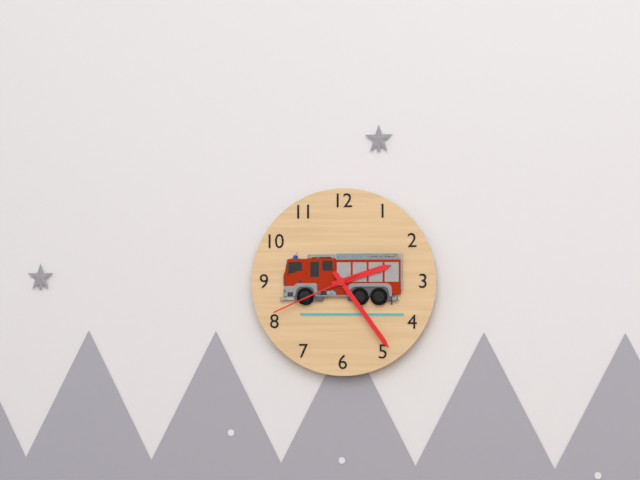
2:24:41
